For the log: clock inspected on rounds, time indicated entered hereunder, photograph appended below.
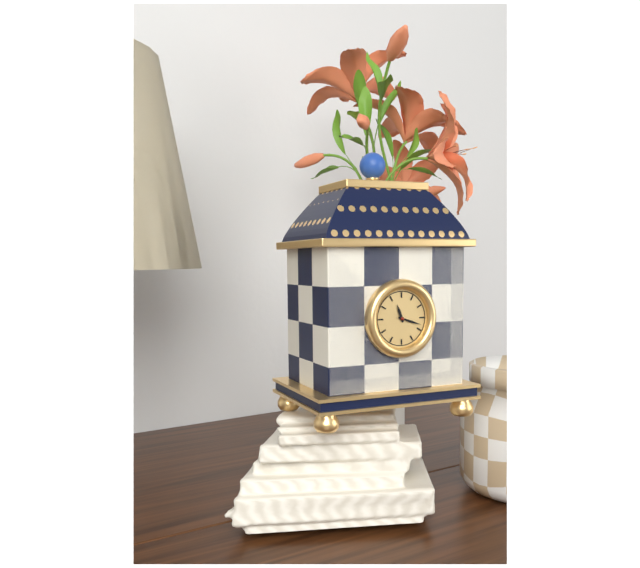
11:18
